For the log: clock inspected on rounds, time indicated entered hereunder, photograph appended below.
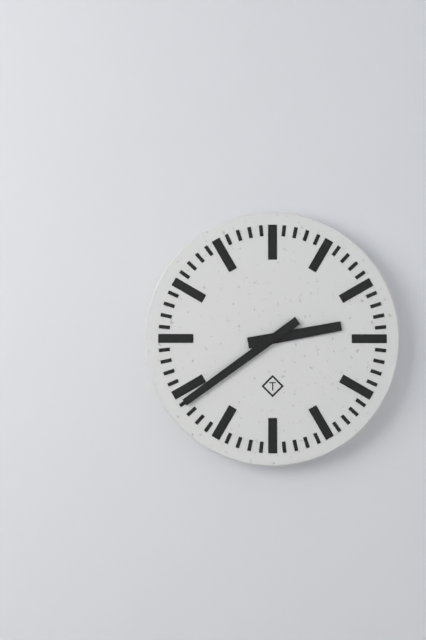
2:39
